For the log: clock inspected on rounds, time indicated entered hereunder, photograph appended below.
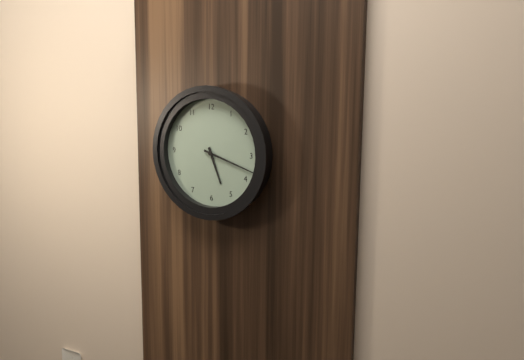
5:18
